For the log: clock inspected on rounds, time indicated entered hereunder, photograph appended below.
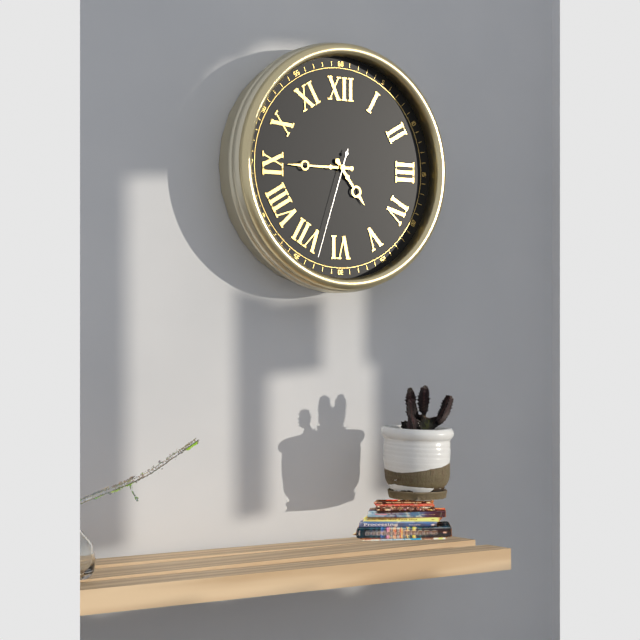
4:45:33
